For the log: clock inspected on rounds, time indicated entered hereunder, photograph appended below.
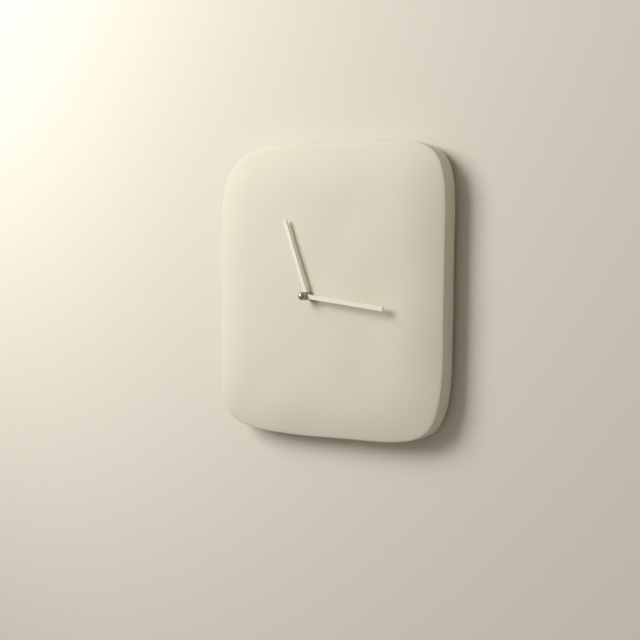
11:16
